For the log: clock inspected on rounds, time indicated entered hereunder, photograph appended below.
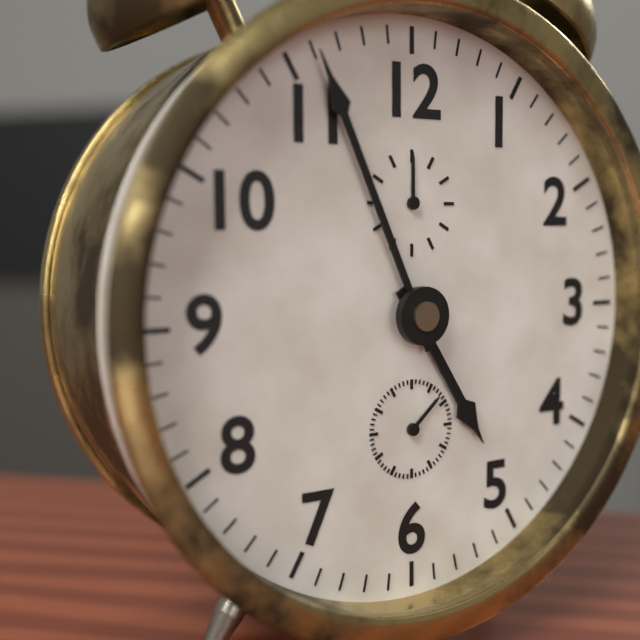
4:56
